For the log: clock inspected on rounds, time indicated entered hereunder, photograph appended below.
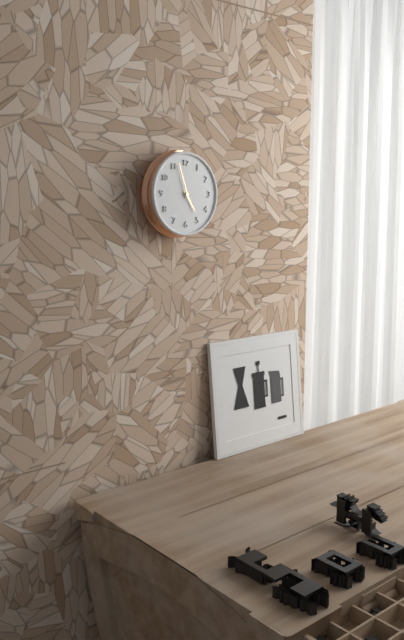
4:57
